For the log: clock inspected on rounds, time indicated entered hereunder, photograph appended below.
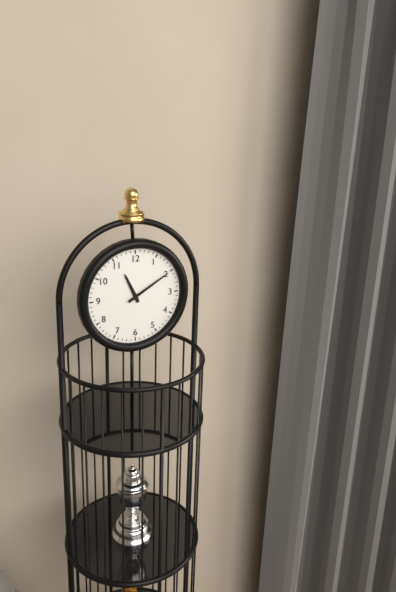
11:10
